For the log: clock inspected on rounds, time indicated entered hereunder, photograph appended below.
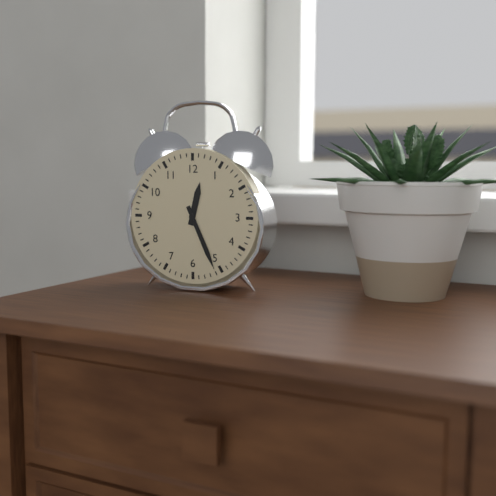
12:26
